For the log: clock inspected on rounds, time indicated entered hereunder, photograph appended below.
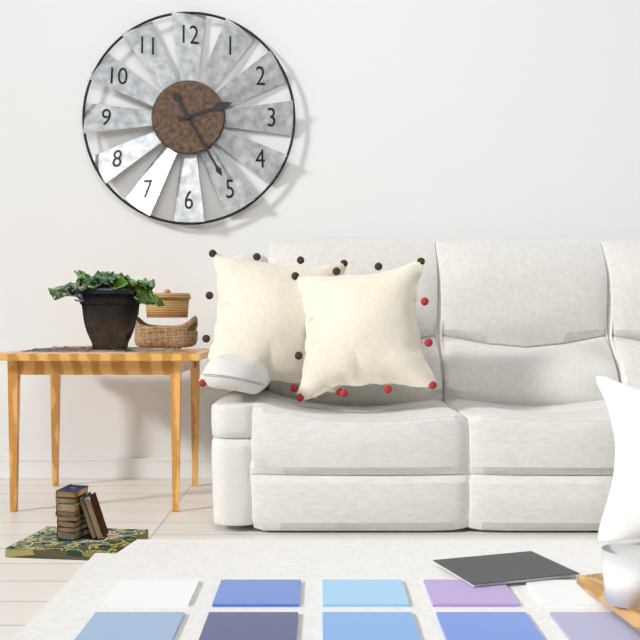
2:25
